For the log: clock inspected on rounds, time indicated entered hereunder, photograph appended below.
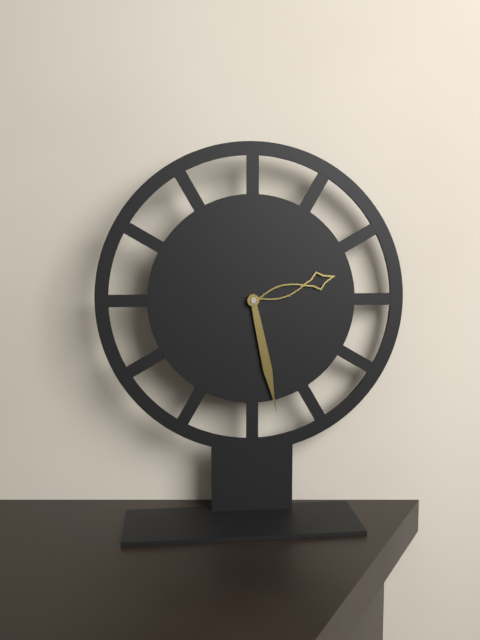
2:28
